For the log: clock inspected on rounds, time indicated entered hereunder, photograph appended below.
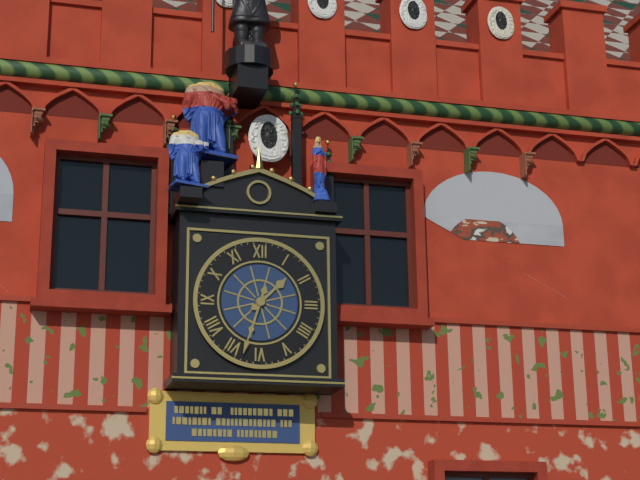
1:33
